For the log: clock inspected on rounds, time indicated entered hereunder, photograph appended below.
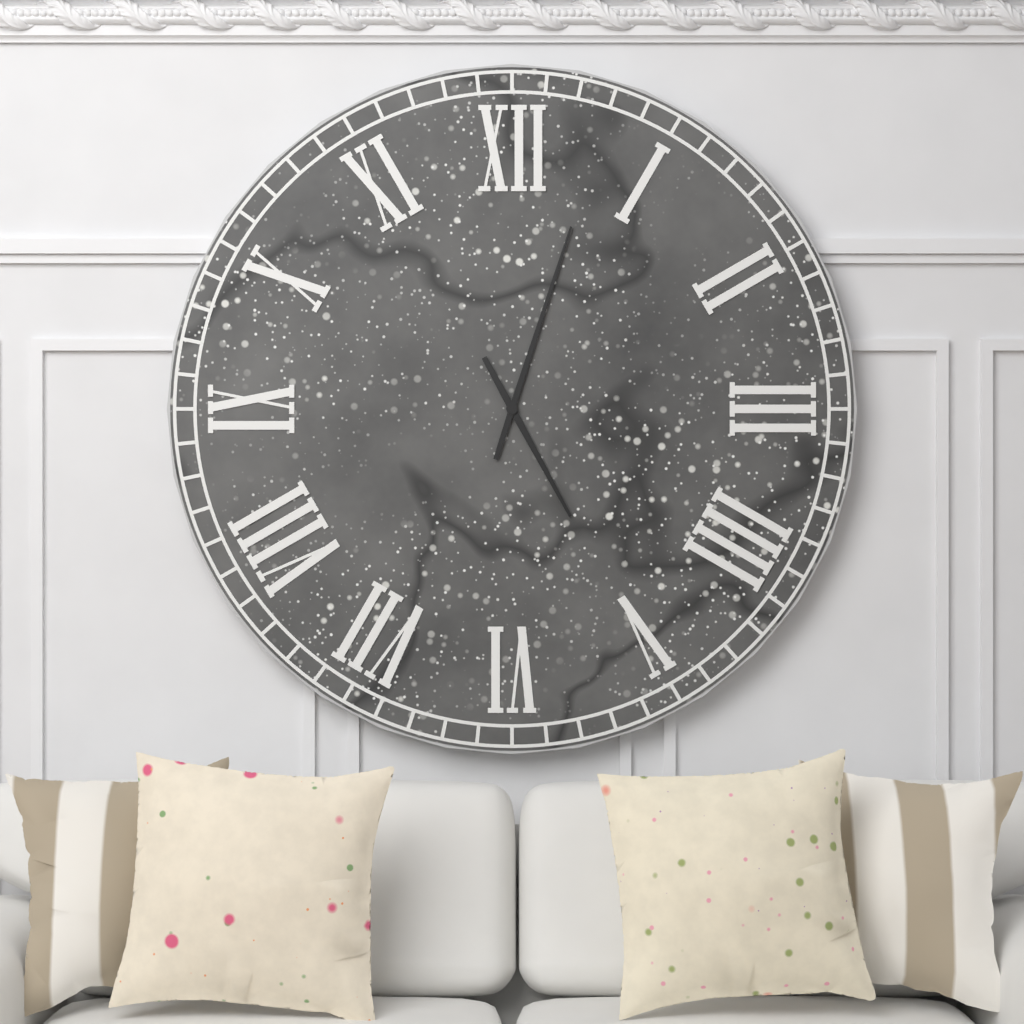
5:03
